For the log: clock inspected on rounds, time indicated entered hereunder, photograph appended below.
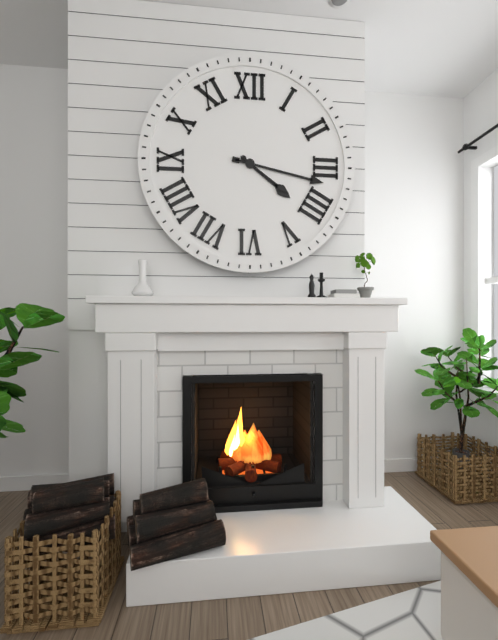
4:17:21
